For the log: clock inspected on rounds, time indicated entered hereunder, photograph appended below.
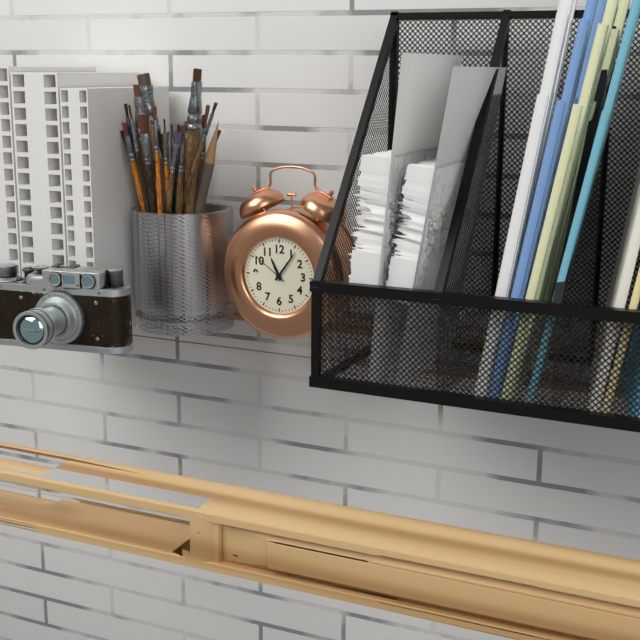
11:06
